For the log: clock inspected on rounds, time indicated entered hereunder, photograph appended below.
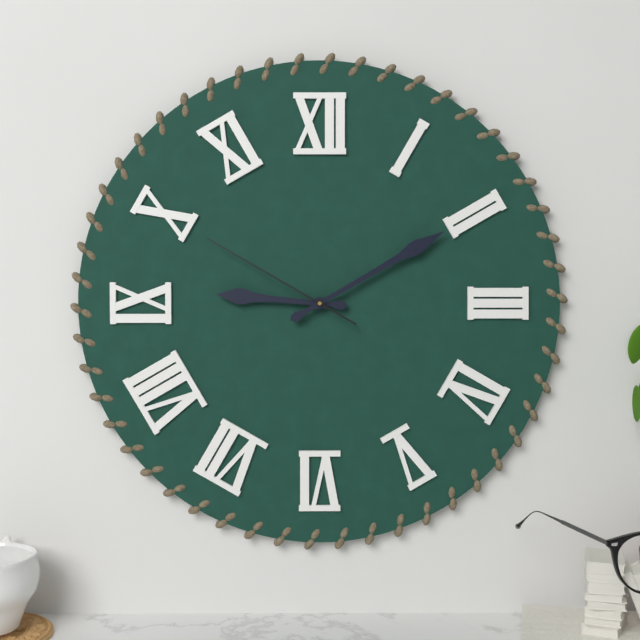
9:10:50
